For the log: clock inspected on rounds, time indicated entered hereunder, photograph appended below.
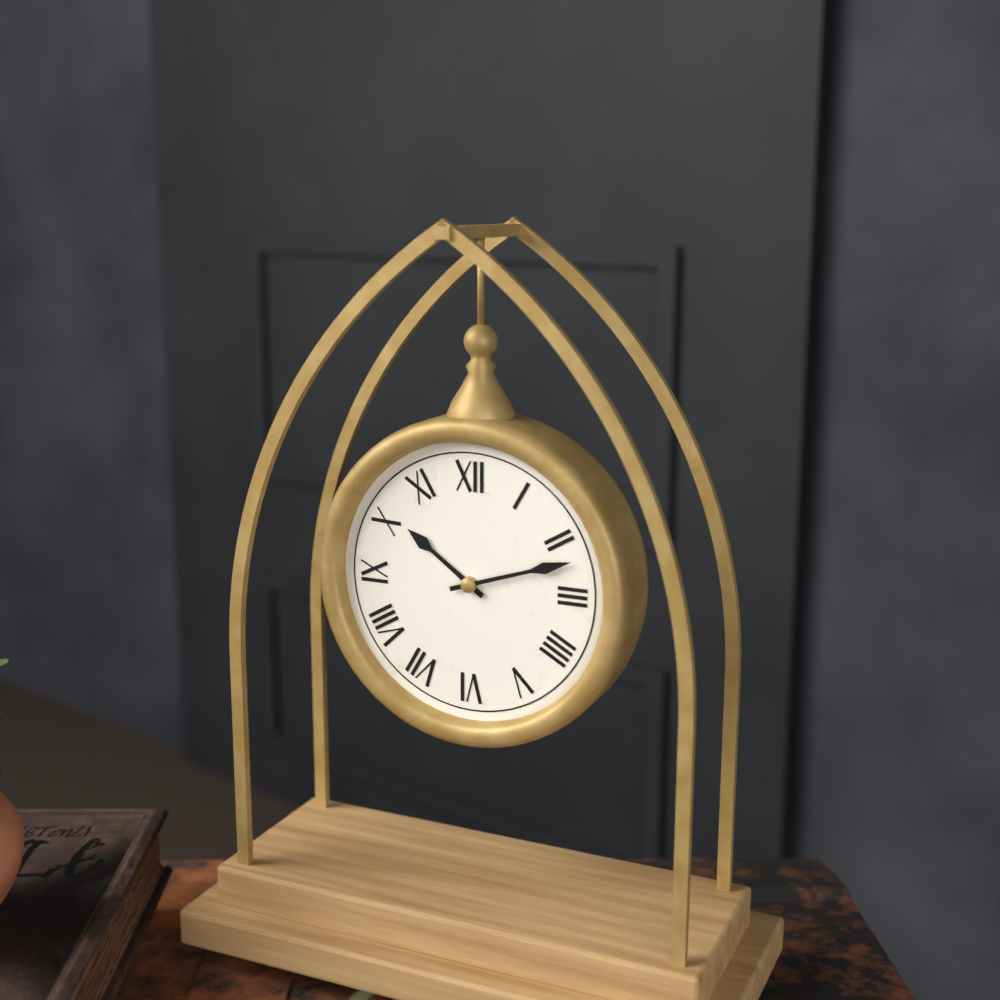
10:12
